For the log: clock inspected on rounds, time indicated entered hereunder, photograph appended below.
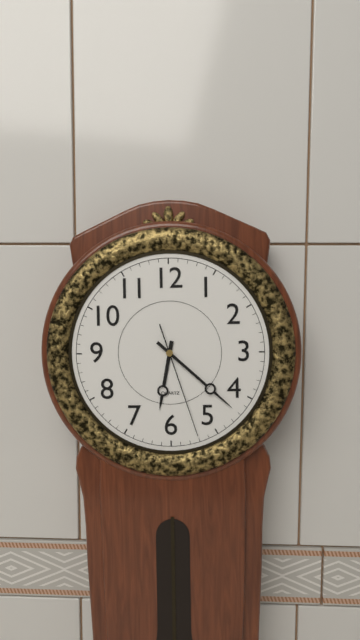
6:22:27
